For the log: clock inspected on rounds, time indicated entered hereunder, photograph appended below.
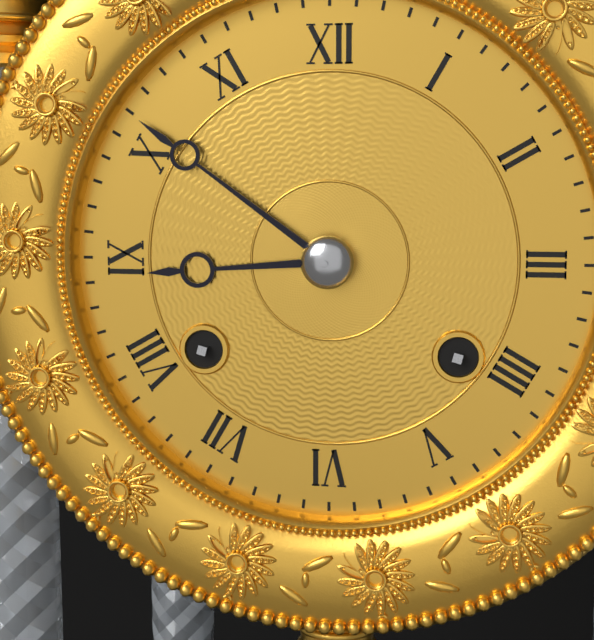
8:51
